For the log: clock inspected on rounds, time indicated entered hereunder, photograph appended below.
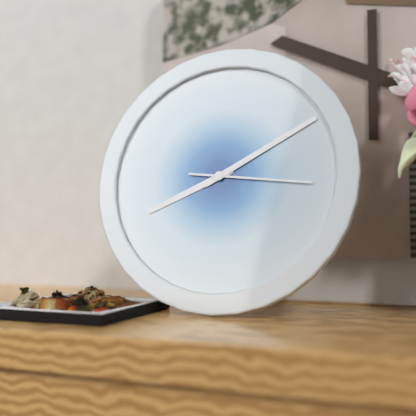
8:10:16
